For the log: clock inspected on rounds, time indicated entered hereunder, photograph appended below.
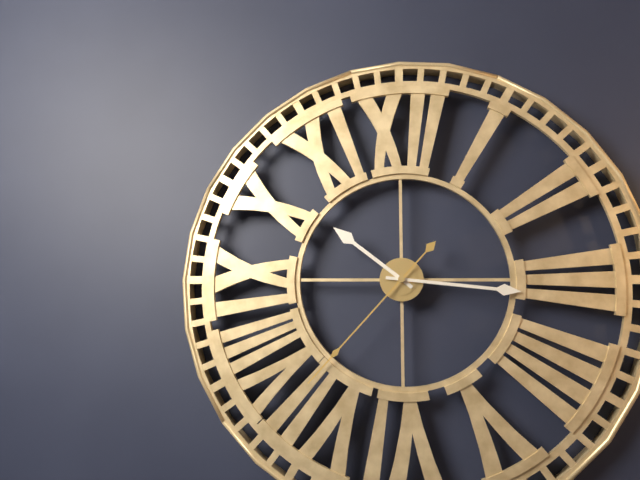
10:16:37
